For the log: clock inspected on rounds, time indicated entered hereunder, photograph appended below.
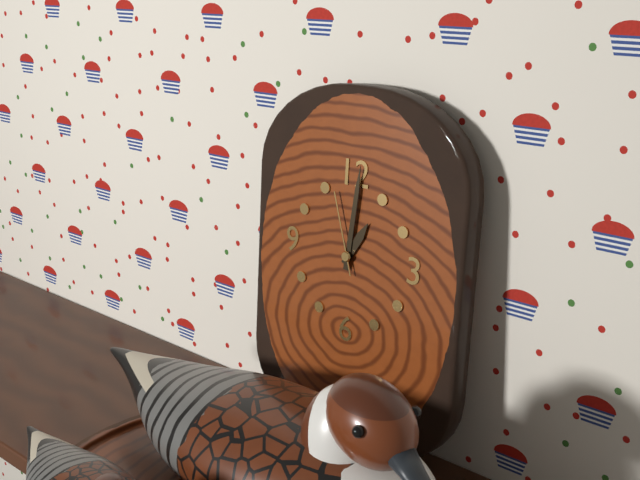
1:01:57
